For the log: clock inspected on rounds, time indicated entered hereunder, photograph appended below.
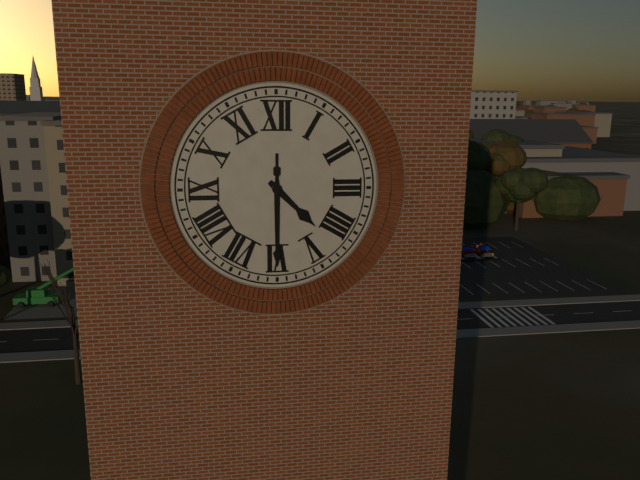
4:30
